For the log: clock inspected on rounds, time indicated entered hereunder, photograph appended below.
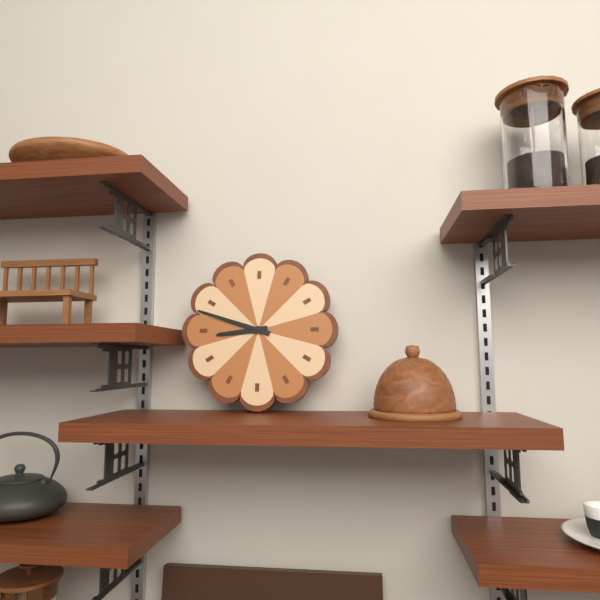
8:48
